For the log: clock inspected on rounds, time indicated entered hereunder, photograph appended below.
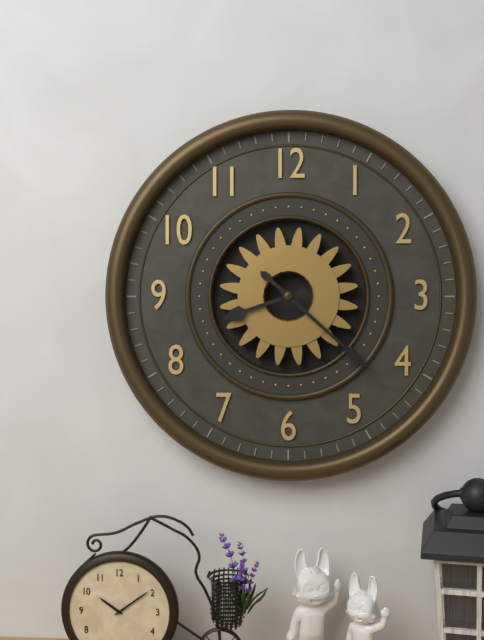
8:22
